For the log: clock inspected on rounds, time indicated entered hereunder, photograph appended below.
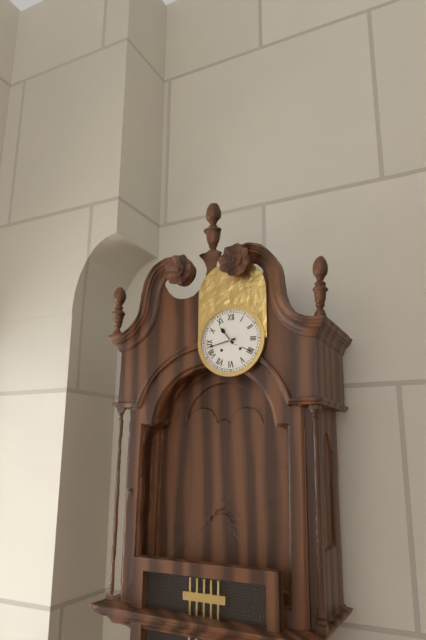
10:43
